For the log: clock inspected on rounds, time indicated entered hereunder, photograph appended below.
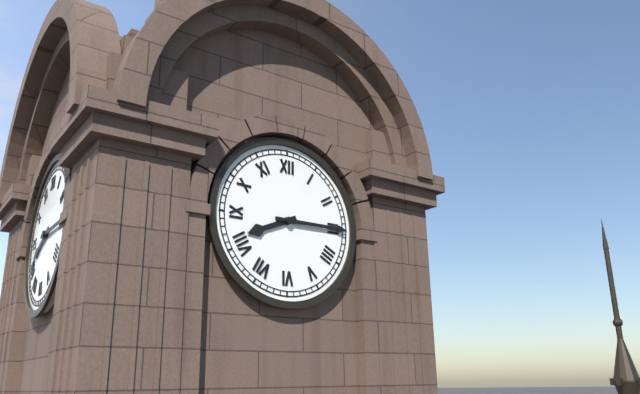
8:15
